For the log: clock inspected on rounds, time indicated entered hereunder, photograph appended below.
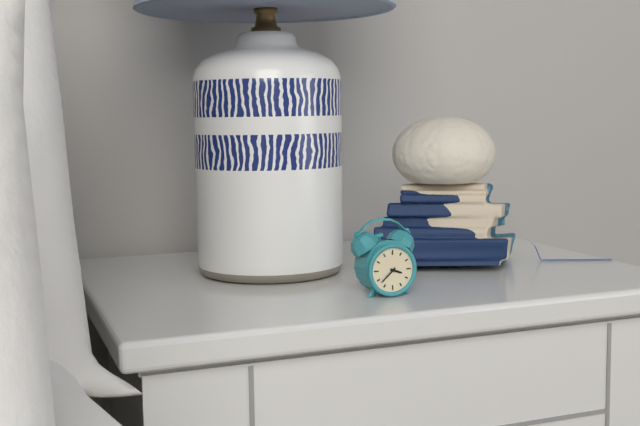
3:38
